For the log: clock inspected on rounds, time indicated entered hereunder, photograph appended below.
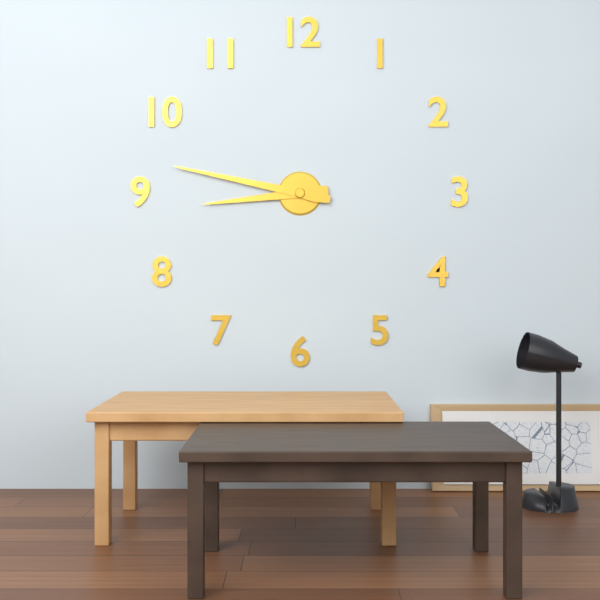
8:47
